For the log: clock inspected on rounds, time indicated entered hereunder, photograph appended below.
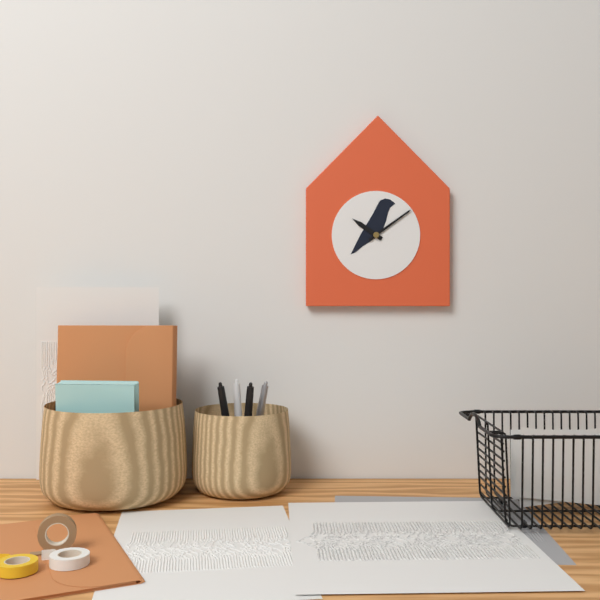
10:09
